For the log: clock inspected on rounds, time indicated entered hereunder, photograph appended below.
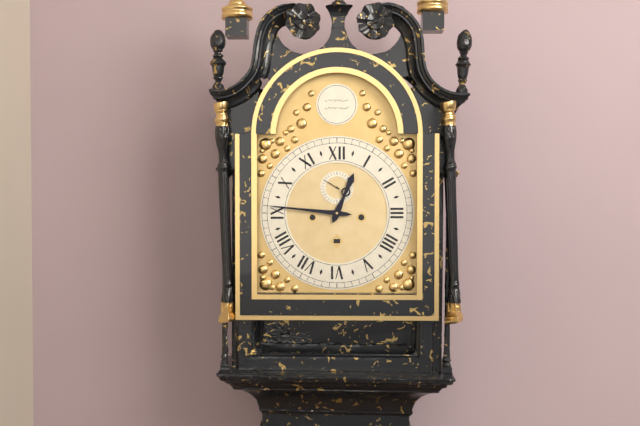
12:46
